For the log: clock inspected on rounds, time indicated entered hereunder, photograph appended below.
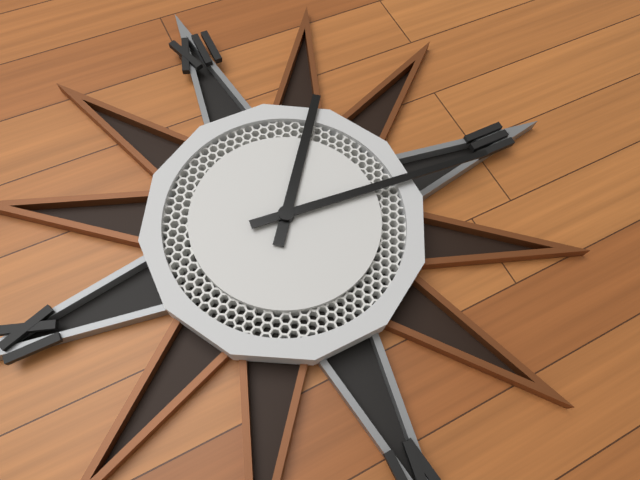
1:16
